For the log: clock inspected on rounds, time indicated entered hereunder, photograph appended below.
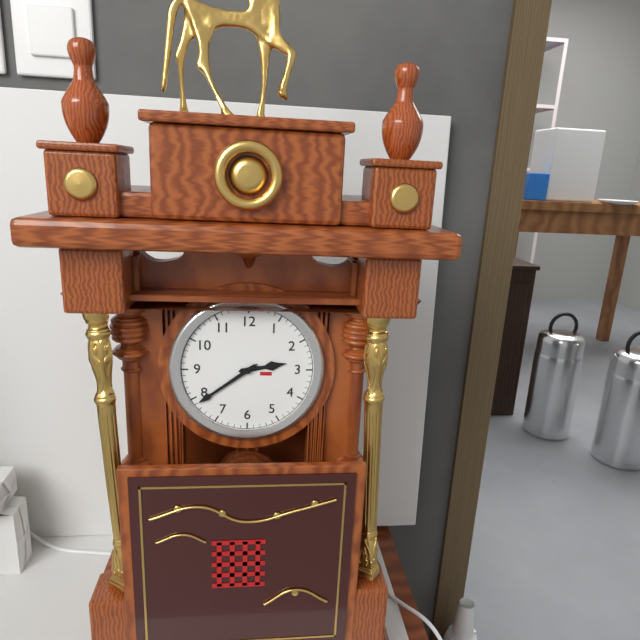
2:39
